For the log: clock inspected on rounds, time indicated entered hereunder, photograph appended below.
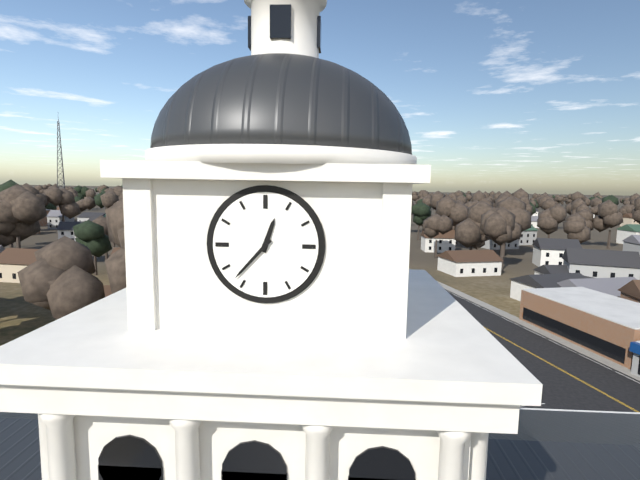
12:37
